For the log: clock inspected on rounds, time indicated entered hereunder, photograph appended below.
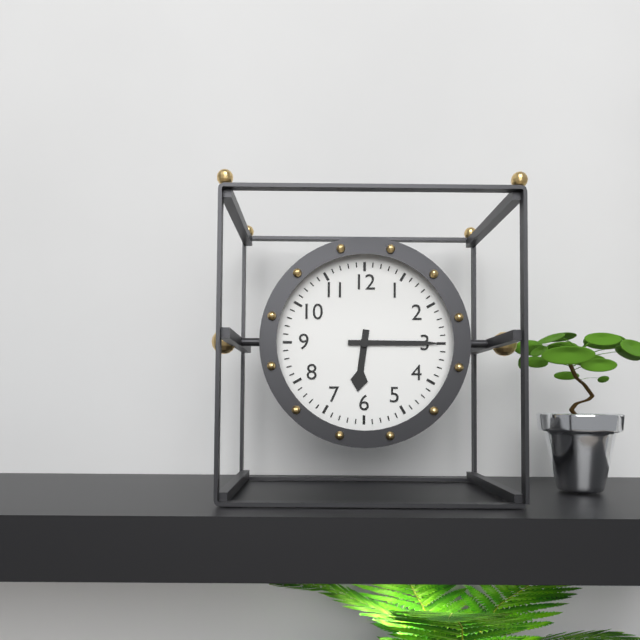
6:15
